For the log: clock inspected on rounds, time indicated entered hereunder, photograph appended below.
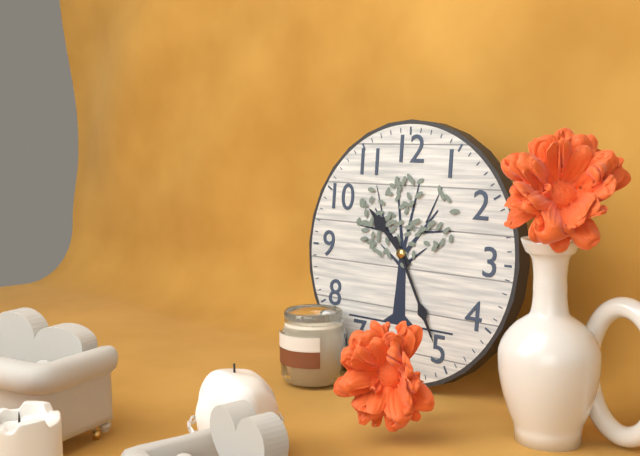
10:25
